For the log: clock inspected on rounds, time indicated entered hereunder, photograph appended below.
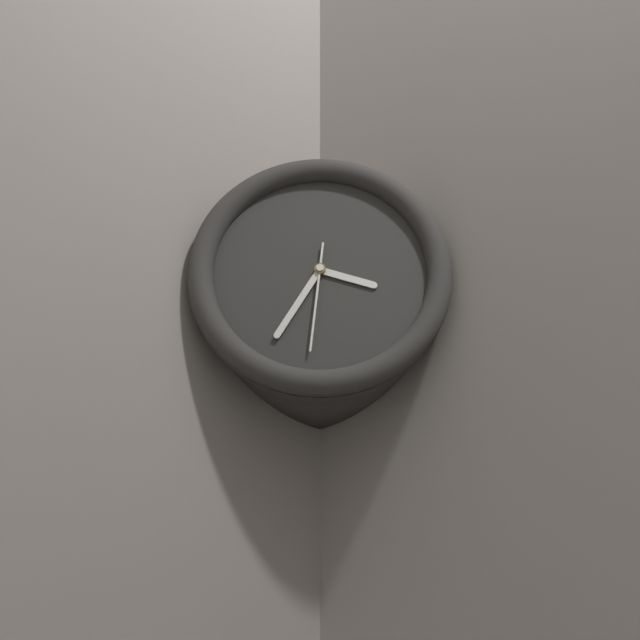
3:35:31
